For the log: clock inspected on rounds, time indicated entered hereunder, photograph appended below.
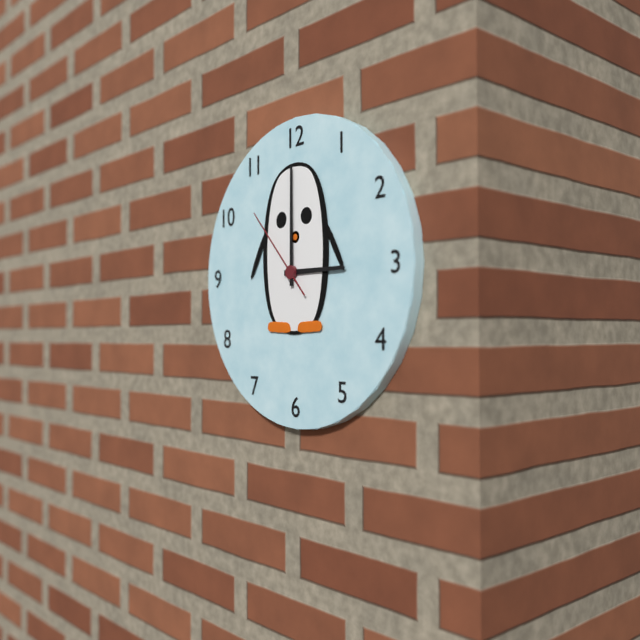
3:00:53
